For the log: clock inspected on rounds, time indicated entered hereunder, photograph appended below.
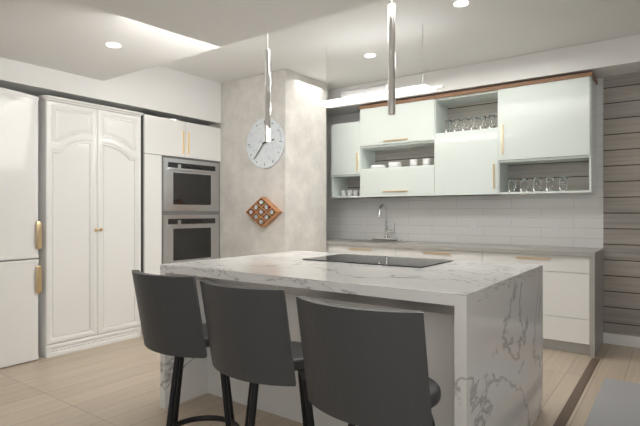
2:37
